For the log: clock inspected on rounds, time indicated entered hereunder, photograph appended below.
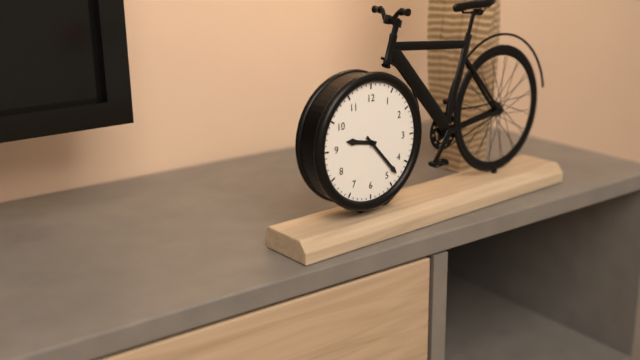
9:23
